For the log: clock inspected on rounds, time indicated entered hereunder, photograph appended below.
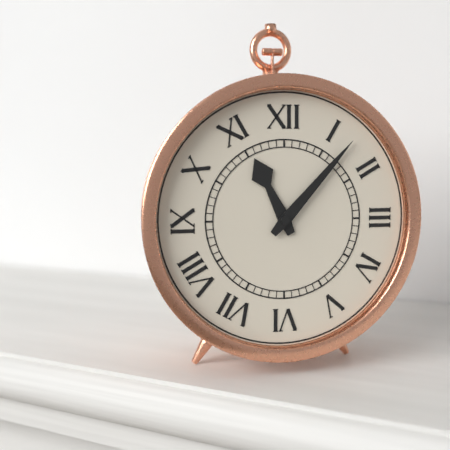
11:07
